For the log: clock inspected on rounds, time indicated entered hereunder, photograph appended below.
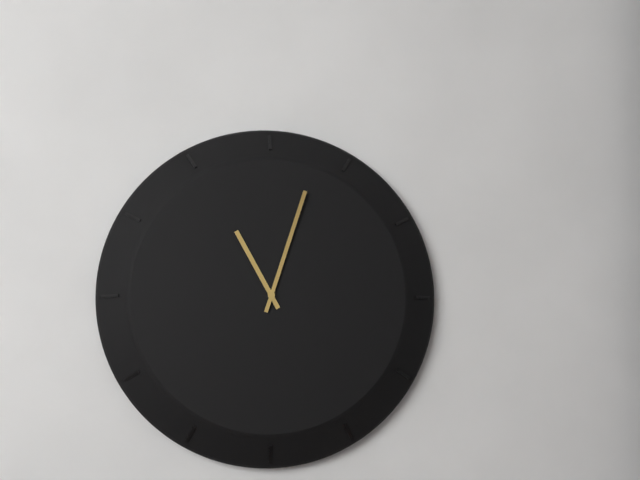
11:03
